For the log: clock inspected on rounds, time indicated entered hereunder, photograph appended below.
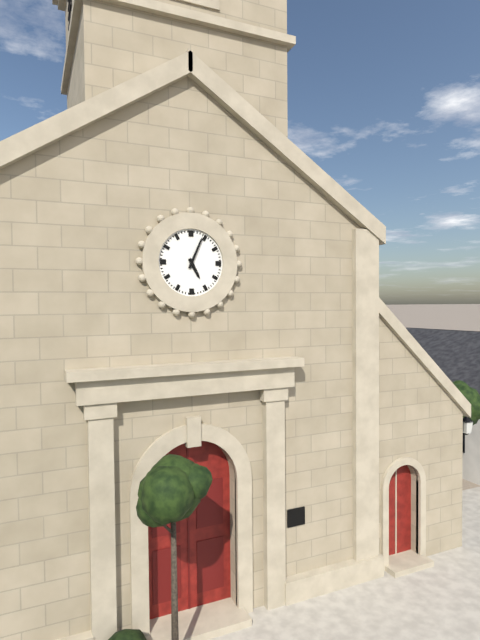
5:04
